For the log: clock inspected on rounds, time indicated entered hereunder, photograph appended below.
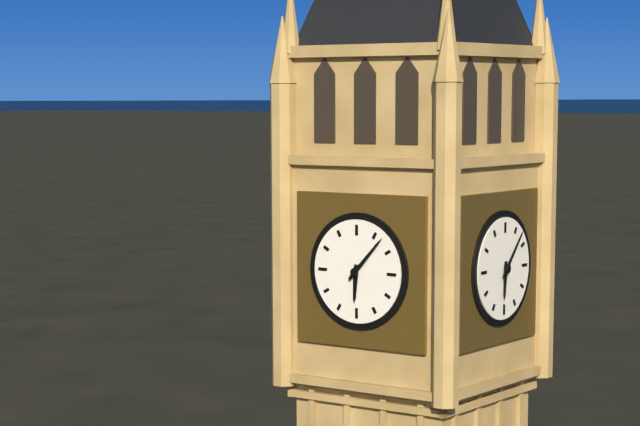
6:07
